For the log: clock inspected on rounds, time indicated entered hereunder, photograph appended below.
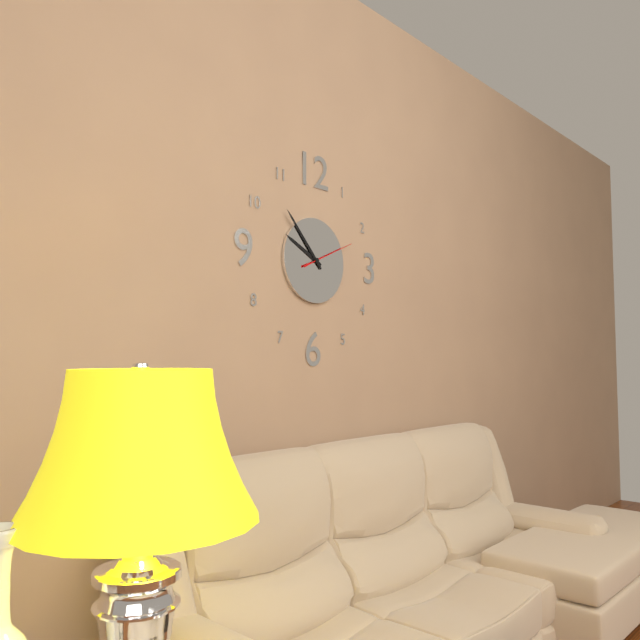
9:53:11
